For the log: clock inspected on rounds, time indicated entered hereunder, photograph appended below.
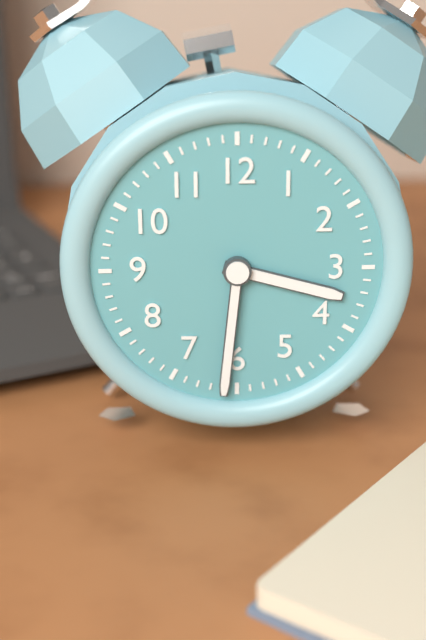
3:31
